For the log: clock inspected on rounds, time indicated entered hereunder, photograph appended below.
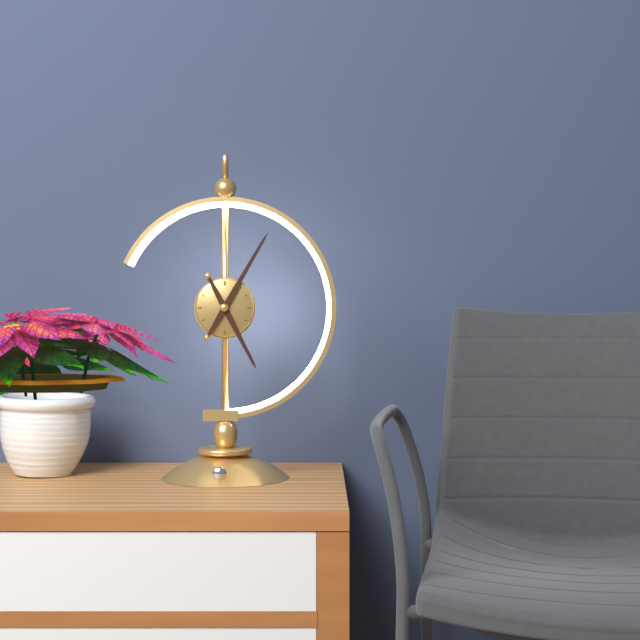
5:05
